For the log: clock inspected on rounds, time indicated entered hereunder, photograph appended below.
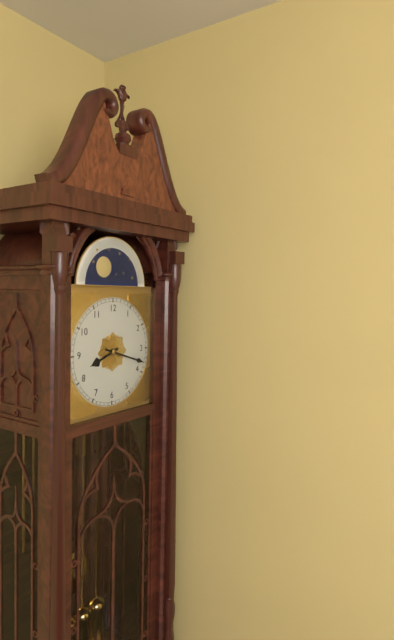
8:18
